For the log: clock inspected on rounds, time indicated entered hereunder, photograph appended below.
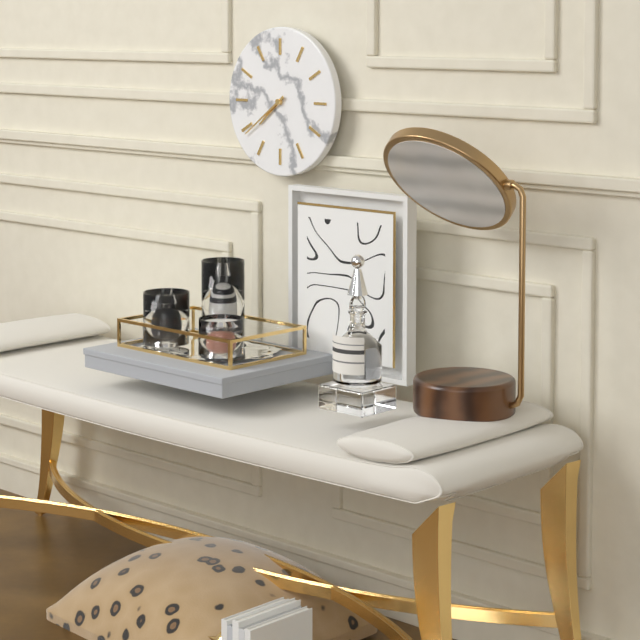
7:39
